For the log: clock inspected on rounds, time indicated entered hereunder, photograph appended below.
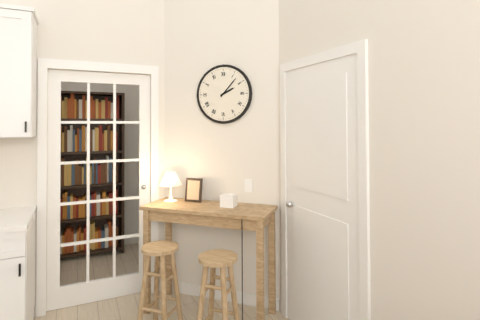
2:07
